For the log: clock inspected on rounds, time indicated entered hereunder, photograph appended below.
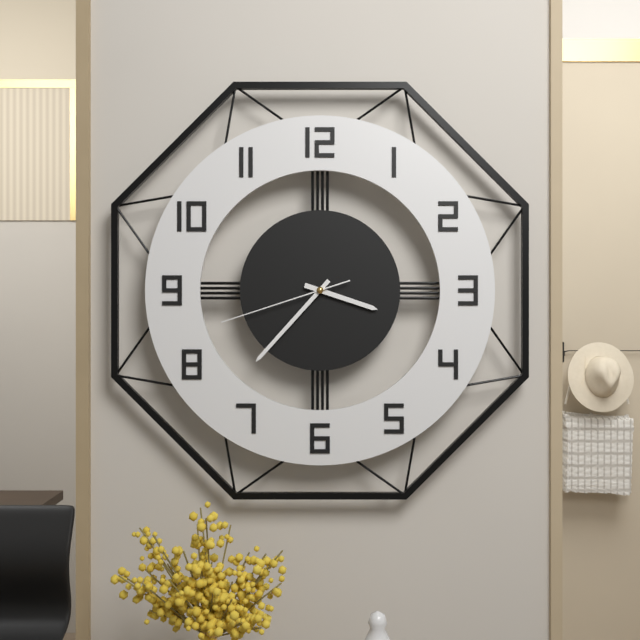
3:37:42
